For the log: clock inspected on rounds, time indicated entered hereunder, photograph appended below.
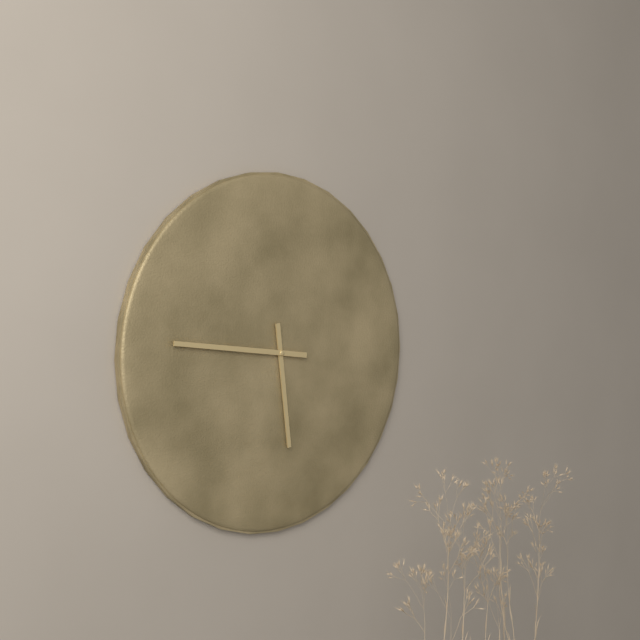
5:46
